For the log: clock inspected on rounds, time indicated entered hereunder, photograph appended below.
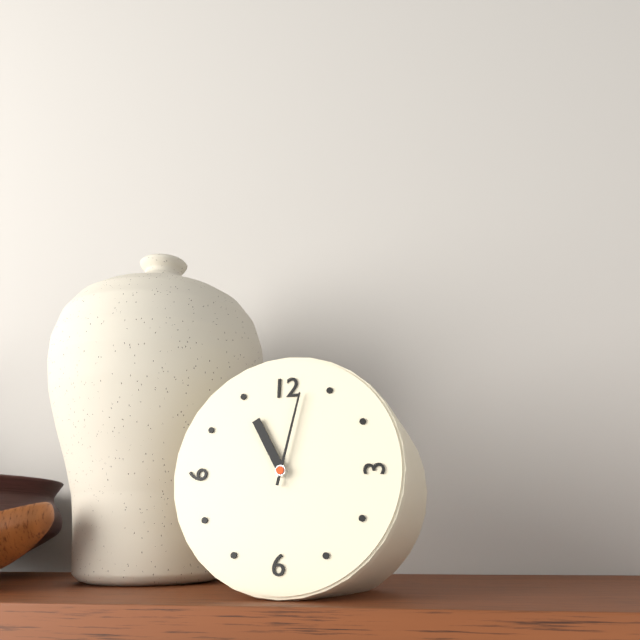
11:02
